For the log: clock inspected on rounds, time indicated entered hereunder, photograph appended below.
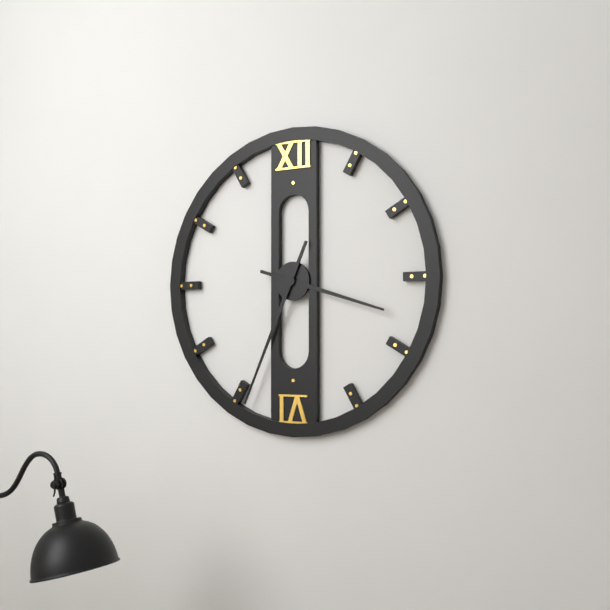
3:34
